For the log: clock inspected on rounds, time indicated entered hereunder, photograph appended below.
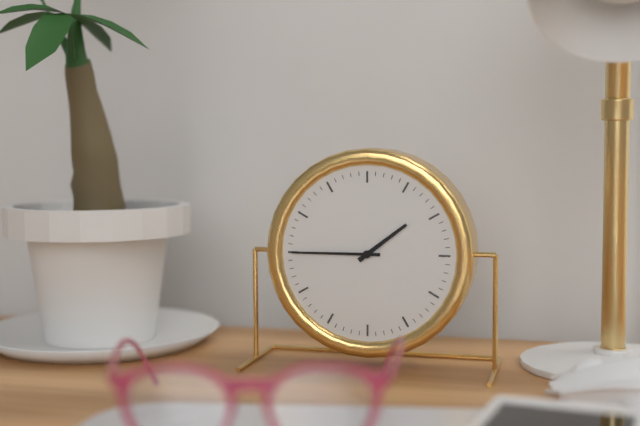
1:45
